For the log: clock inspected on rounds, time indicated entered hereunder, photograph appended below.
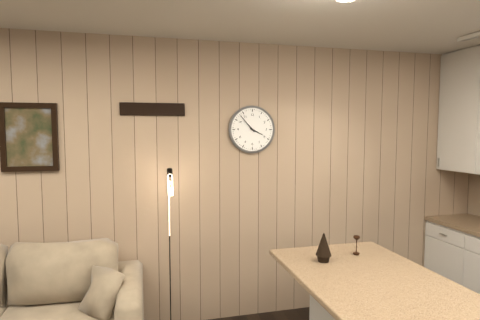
3:53
